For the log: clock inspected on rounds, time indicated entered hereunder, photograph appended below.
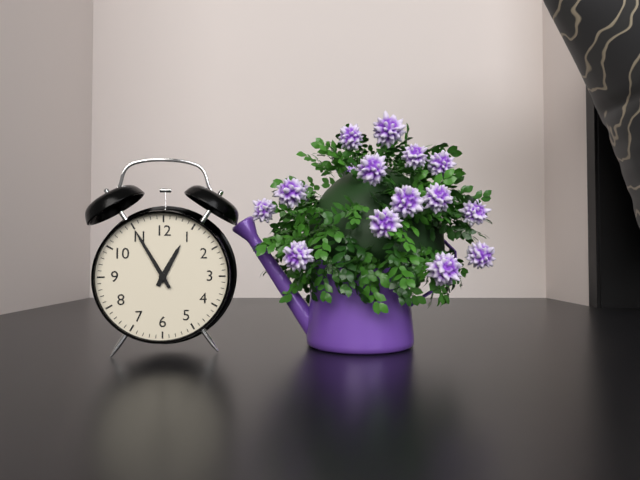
12:55
